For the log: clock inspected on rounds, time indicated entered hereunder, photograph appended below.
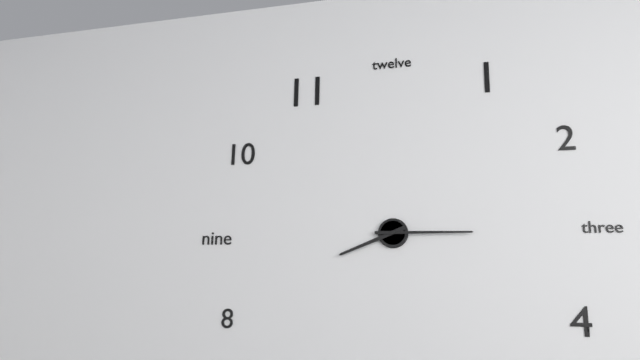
8:15
